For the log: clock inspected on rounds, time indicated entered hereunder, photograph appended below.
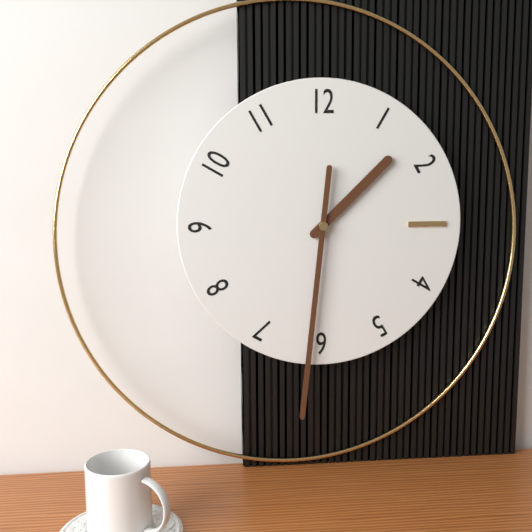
1:31
